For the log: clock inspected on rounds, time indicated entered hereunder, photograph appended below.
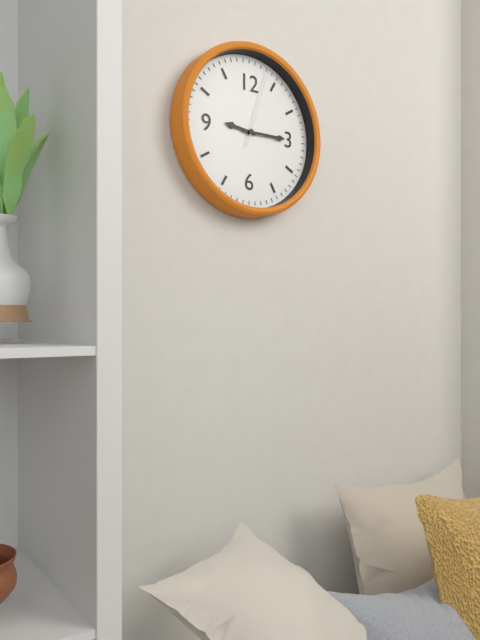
9:15:03
